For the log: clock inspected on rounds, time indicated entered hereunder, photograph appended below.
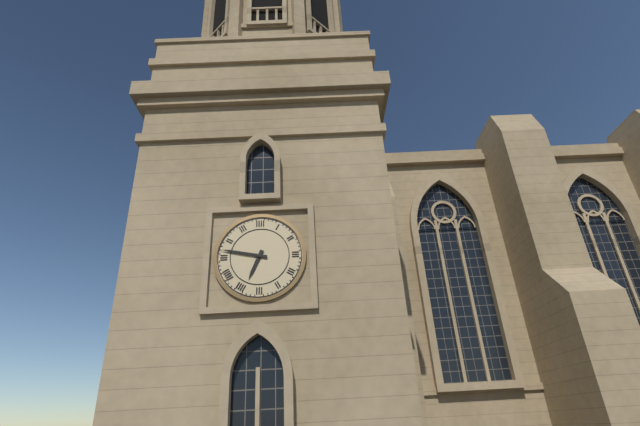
6:47
